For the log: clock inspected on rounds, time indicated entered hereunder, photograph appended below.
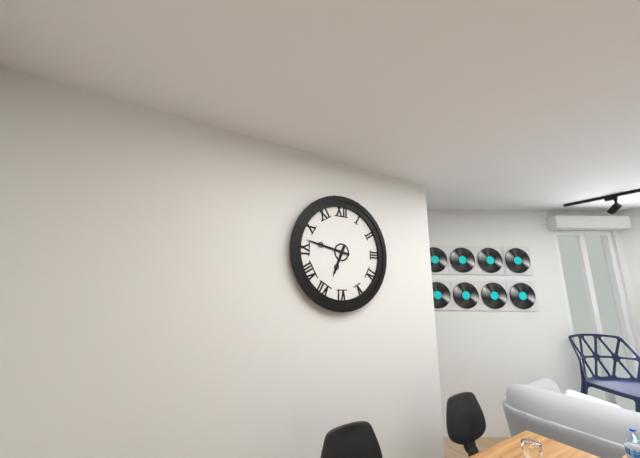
6:47
